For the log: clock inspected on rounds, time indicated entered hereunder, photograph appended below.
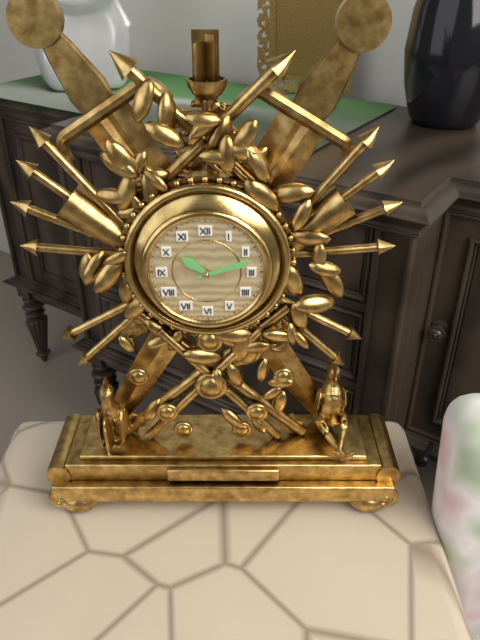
10:12
